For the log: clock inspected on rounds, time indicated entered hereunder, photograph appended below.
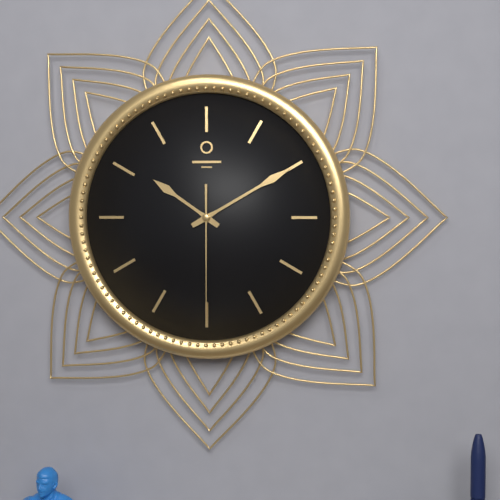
10:10:30
